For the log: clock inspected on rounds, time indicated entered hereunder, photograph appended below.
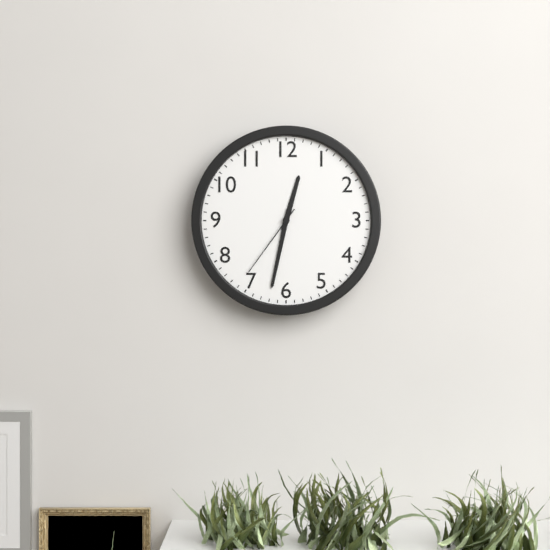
12:32:36
